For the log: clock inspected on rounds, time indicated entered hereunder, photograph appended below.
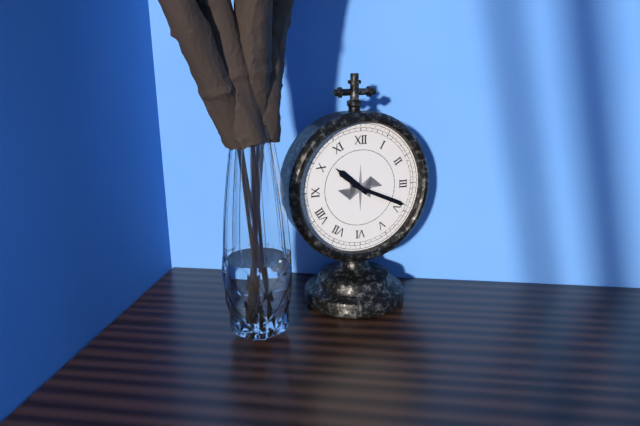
10:19
